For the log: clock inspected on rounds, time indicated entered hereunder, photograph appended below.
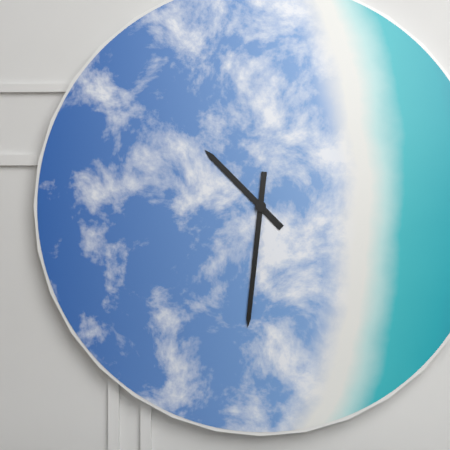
10:31
